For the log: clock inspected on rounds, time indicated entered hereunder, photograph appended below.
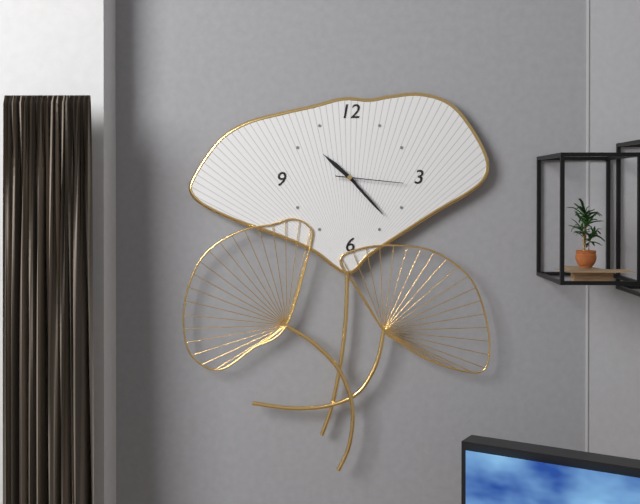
10:23:16
